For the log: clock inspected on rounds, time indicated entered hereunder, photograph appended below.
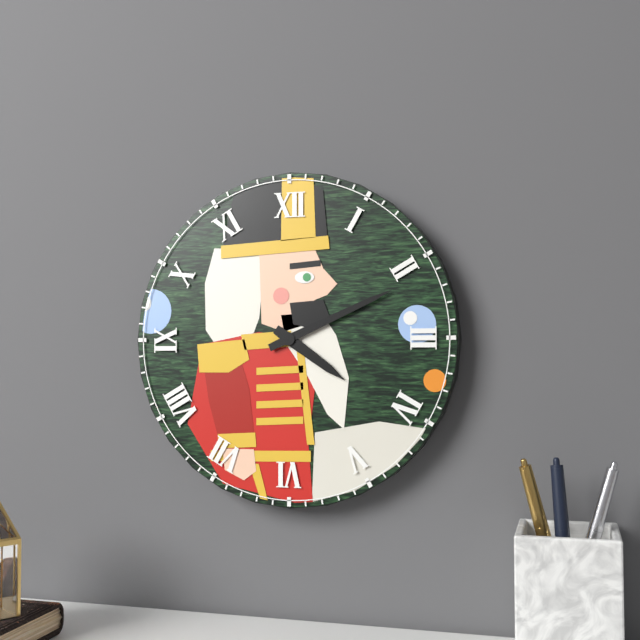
4:11
